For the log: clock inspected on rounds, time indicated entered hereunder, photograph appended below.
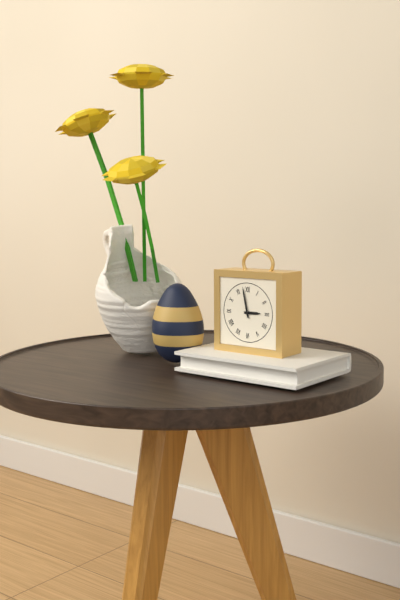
2:58
